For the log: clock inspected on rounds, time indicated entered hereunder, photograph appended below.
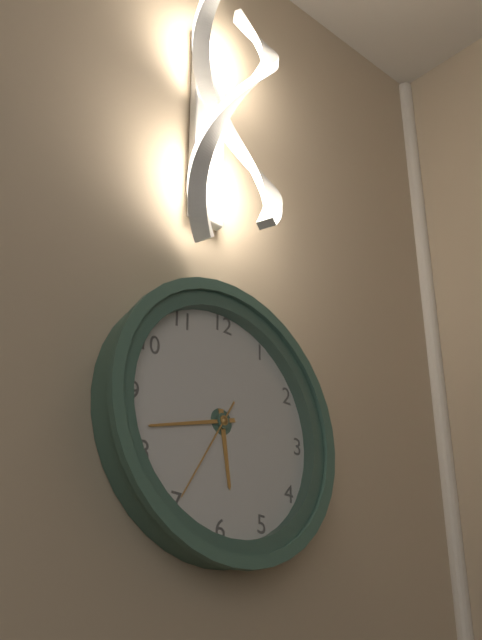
5:42:35
